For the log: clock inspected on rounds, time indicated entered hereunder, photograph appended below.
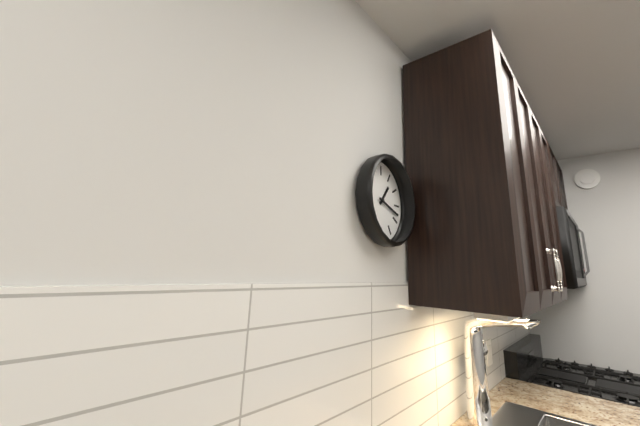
1:18
